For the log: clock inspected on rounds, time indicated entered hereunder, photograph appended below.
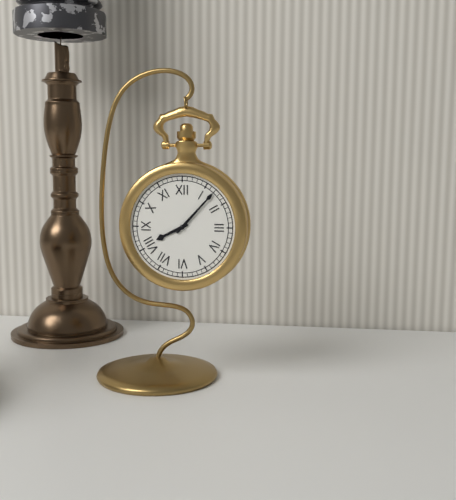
8:07
